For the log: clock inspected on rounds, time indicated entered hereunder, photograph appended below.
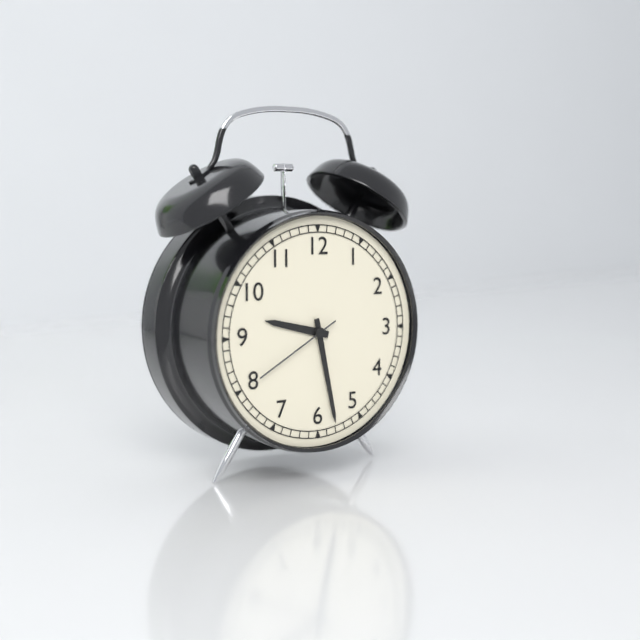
9:28:40
